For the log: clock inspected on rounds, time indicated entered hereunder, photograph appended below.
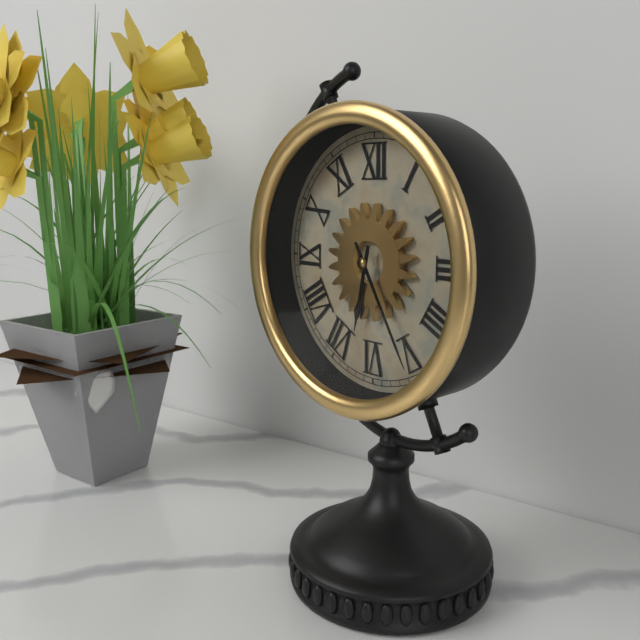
6:25
